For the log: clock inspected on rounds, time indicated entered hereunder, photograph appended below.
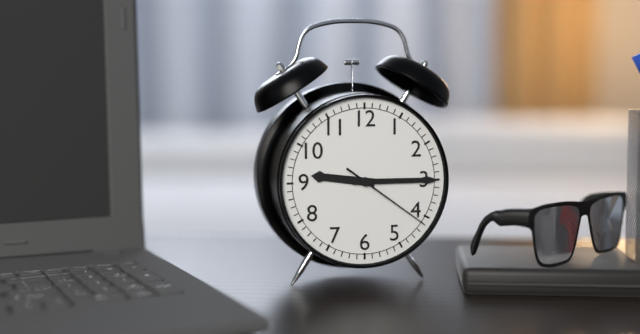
9:15:21
